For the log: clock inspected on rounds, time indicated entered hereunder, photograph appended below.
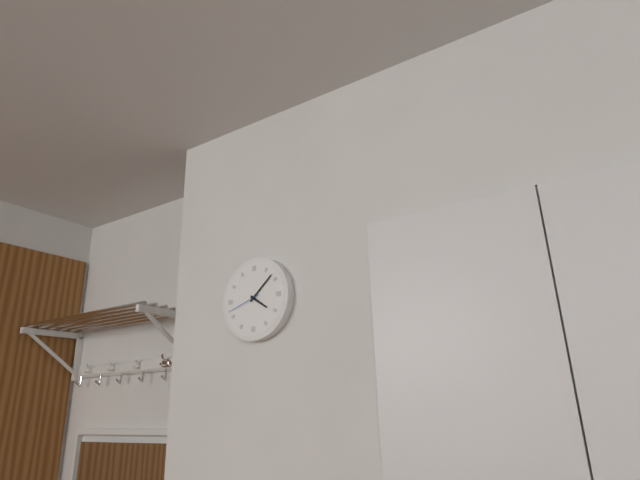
4:08
